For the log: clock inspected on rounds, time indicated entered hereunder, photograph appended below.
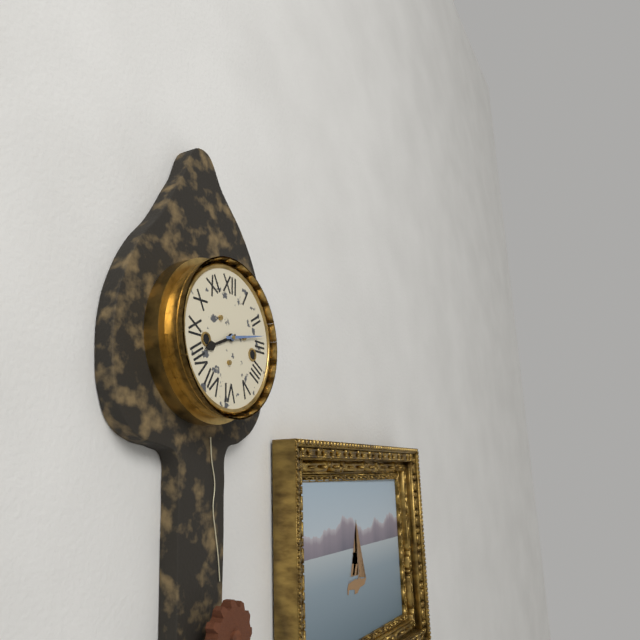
8:13
